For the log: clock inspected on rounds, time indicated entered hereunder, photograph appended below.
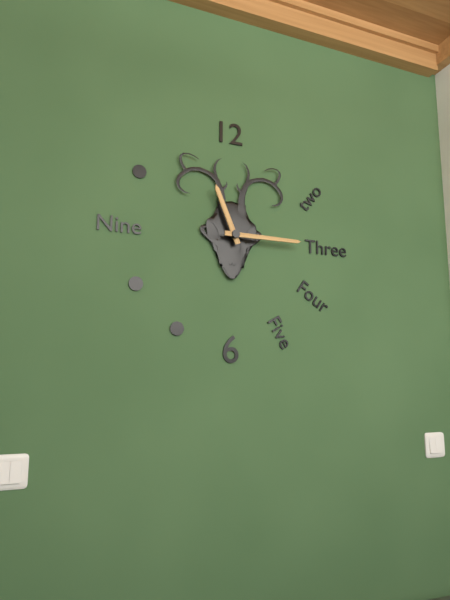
11:15
